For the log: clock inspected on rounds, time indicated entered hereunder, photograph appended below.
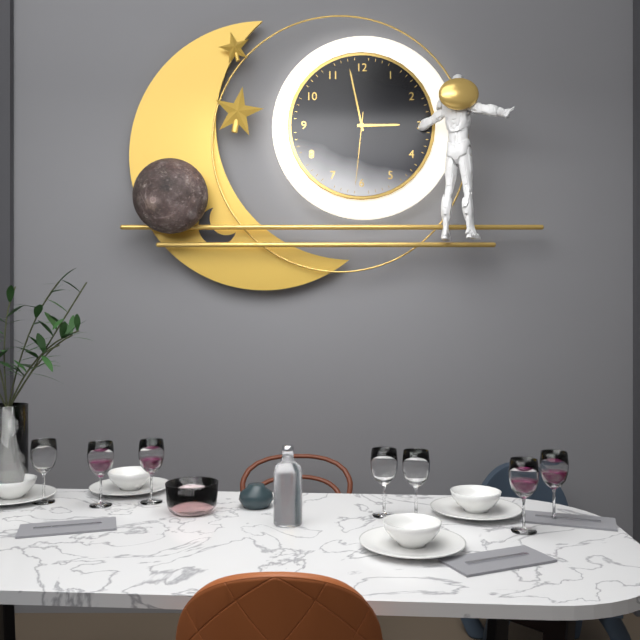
2:58:31
